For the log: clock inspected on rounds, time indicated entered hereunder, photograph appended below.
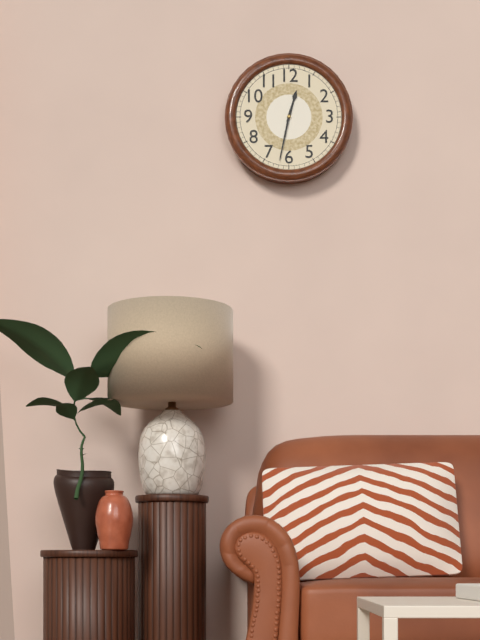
12:32
